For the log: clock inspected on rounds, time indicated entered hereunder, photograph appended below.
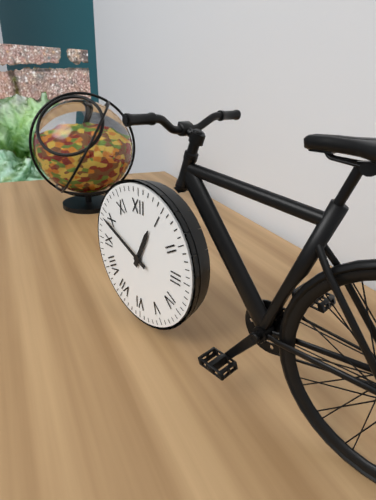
12:49
